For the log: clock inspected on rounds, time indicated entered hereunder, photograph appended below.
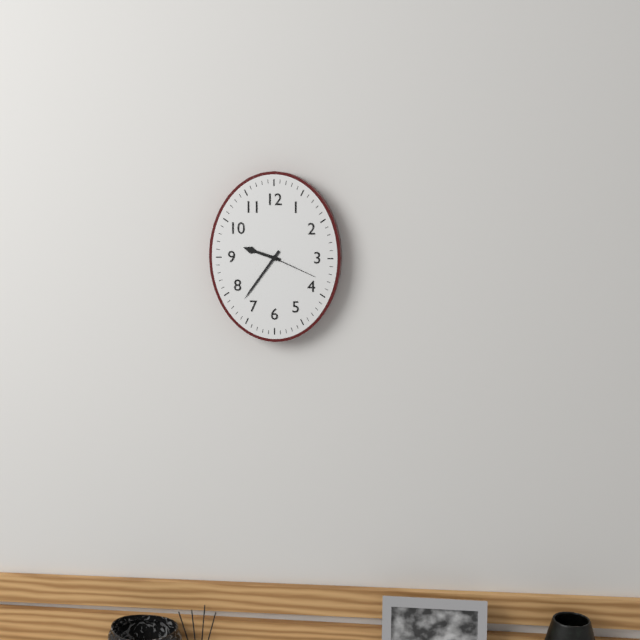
9:36:19
